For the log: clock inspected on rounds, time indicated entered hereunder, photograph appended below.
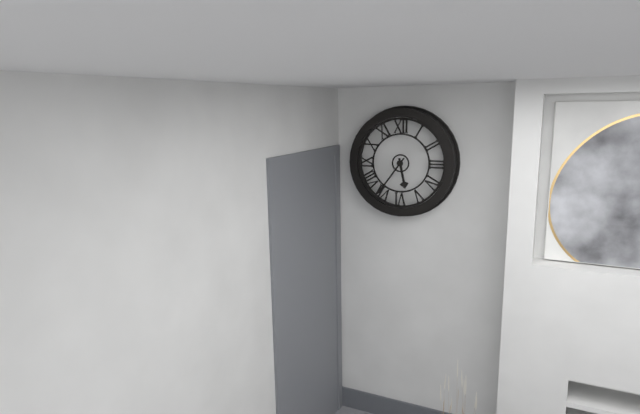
5:36
